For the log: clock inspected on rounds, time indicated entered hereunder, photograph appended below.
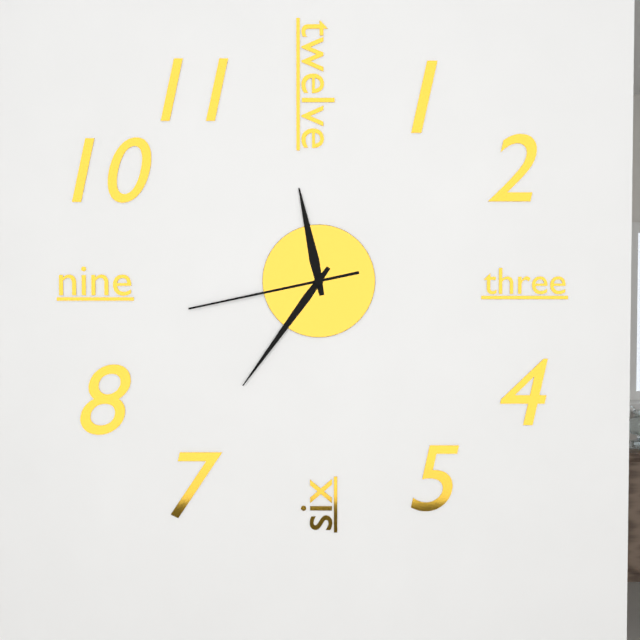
11:36:43
